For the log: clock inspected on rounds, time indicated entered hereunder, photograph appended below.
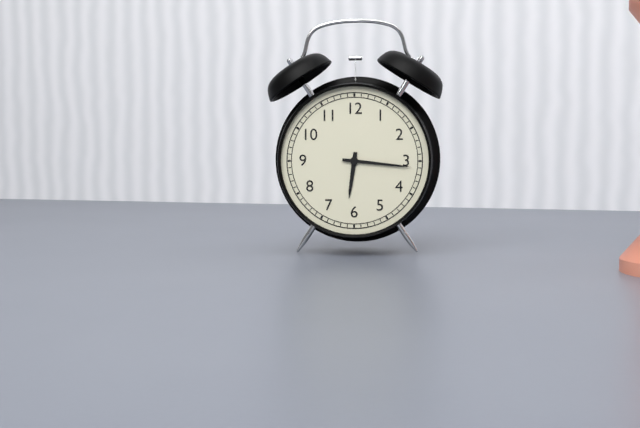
6:16
